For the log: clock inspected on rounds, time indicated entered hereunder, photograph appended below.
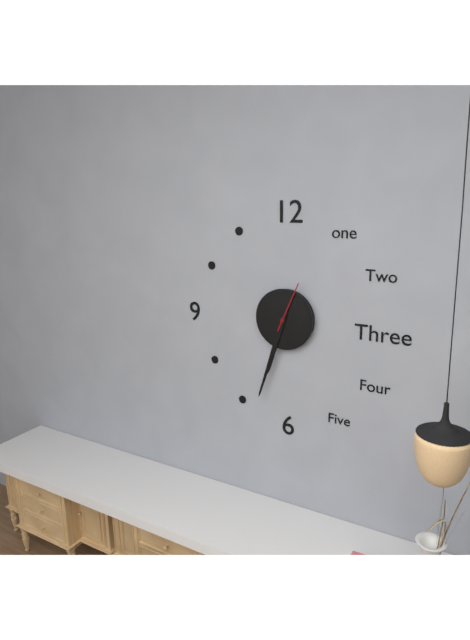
6:33:04
